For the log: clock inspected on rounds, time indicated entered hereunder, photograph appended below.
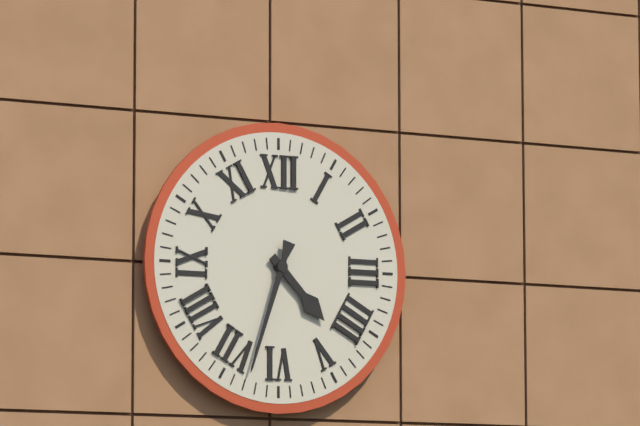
4:33
